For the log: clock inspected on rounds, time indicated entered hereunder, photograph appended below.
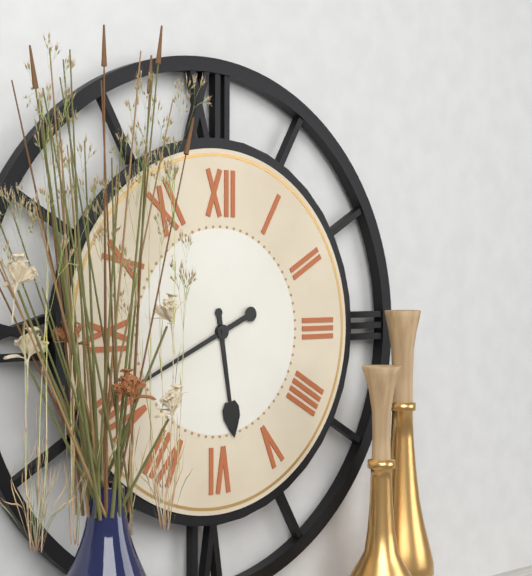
5:41
